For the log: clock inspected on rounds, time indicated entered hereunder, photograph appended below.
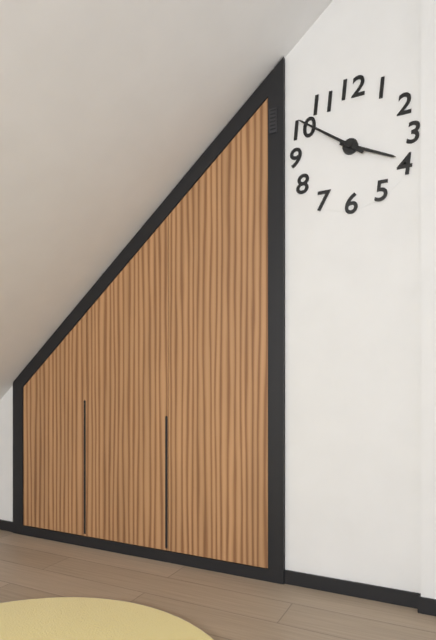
3:51
